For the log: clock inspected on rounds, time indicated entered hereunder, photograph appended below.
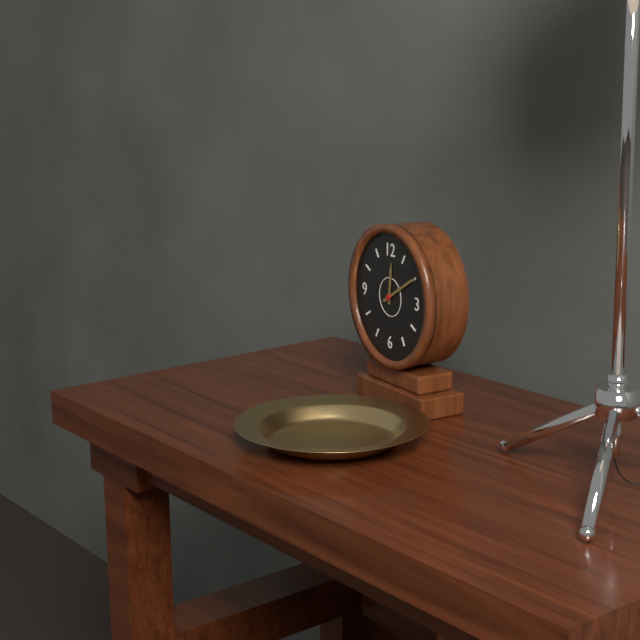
12:10
